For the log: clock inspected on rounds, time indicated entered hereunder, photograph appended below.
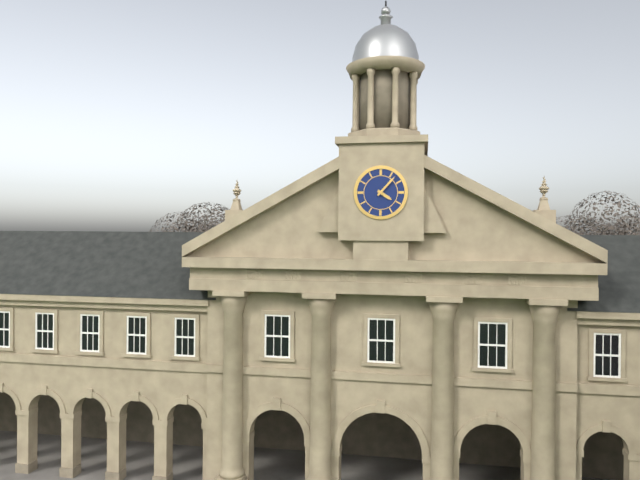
4:07
